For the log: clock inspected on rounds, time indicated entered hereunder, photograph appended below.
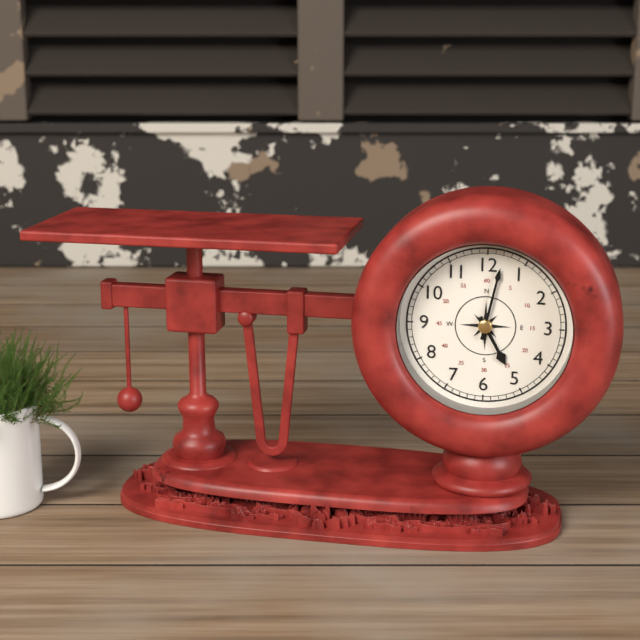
5:02
